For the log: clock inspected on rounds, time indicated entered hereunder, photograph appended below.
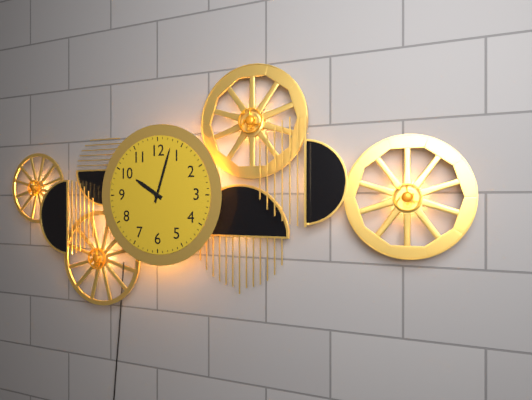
10:03
